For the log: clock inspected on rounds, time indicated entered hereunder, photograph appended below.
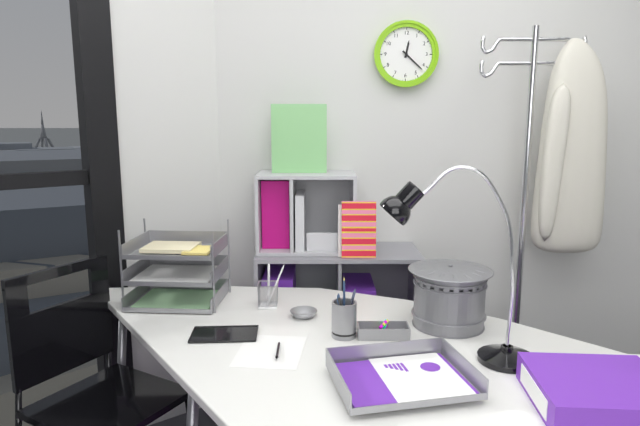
12:22
